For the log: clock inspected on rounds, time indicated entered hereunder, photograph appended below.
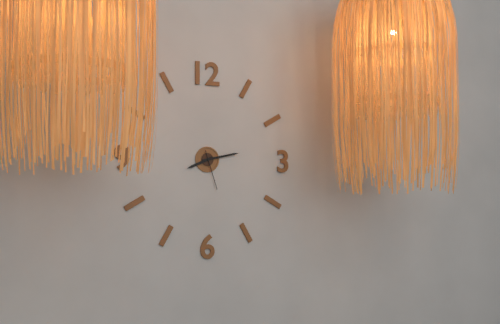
8:13
